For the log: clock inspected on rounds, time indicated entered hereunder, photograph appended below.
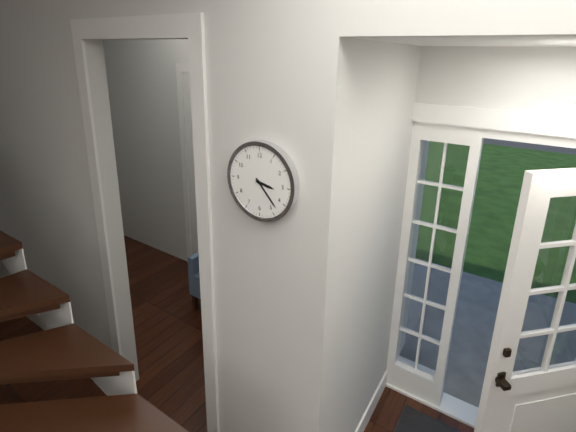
3:23
